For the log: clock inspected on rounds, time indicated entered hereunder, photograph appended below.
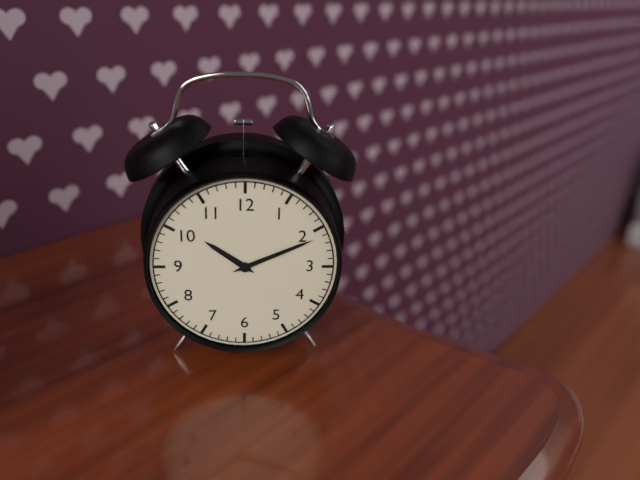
10:11
